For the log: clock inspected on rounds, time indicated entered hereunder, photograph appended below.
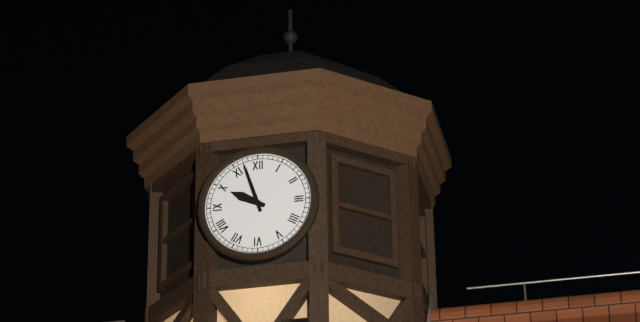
9:57
